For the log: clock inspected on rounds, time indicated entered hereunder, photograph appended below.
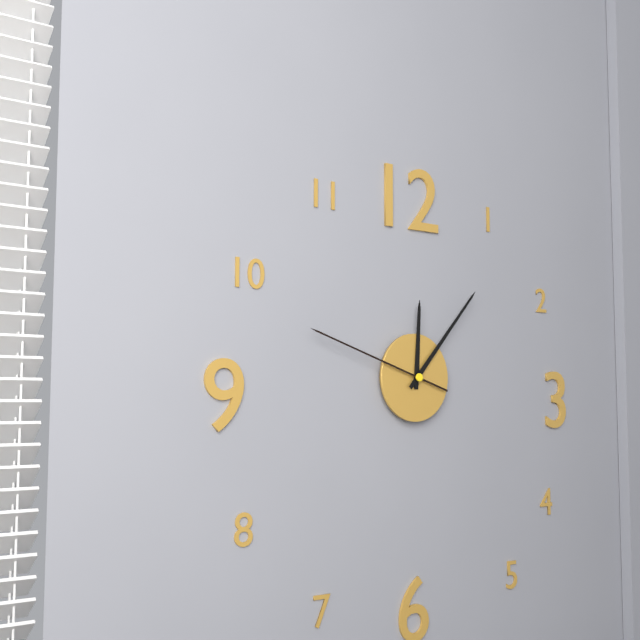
12:07:48
